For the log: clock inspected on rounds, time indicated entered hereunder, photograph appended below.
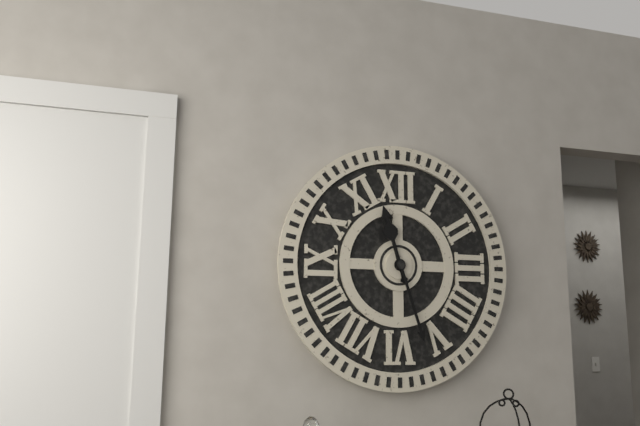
11:27
